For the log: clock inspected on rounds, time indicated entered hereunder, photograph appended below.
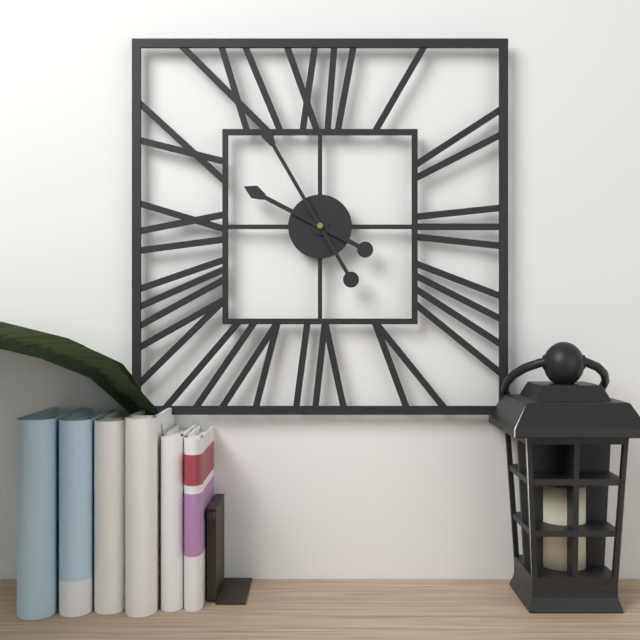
9:55
